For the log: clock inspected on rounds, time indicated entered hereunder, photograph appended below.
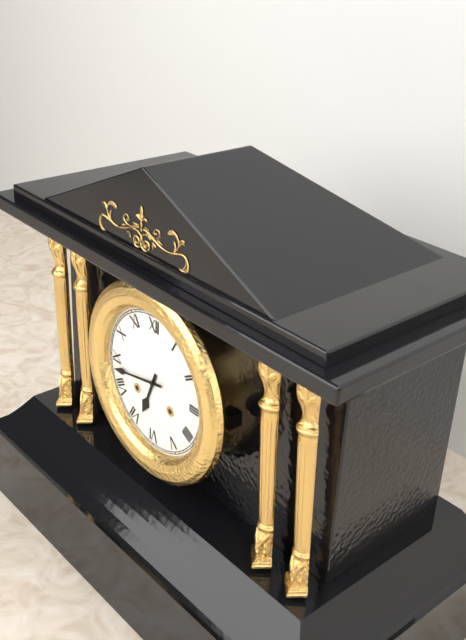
6:43
